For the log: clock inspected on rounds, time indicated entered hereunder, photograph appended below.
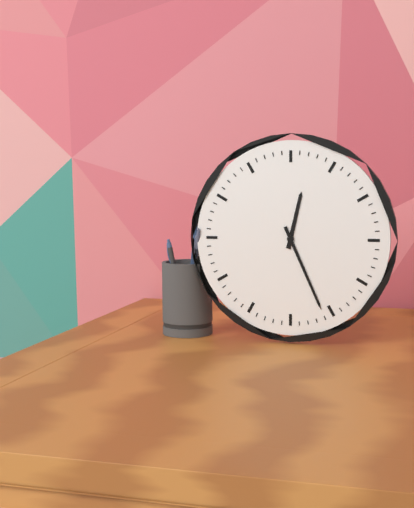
12:26
